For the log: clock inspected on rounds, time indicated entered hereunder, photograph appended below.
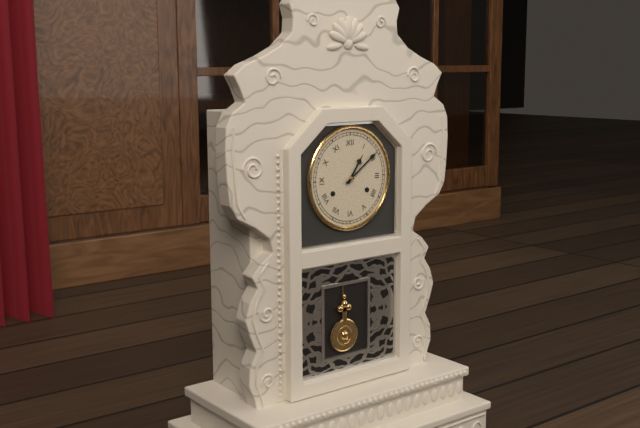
1:09
